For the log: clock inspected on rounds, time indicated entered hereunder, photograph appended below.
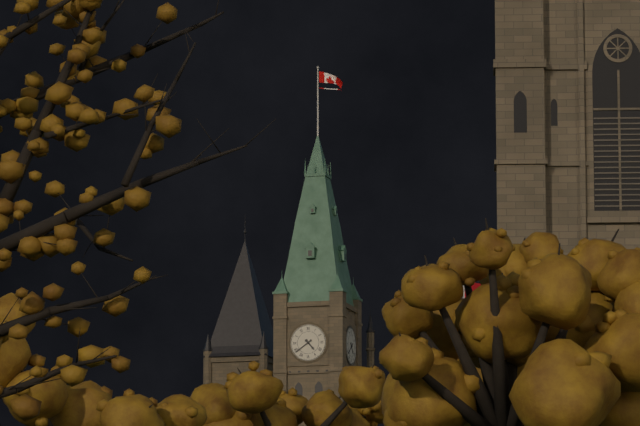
4:39
